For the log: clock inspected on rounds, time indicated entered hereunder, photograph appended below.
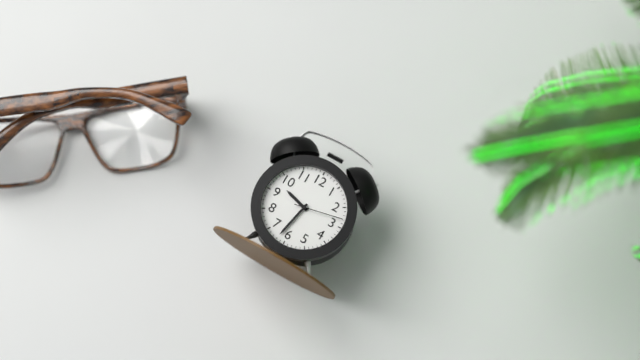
9:32:13
